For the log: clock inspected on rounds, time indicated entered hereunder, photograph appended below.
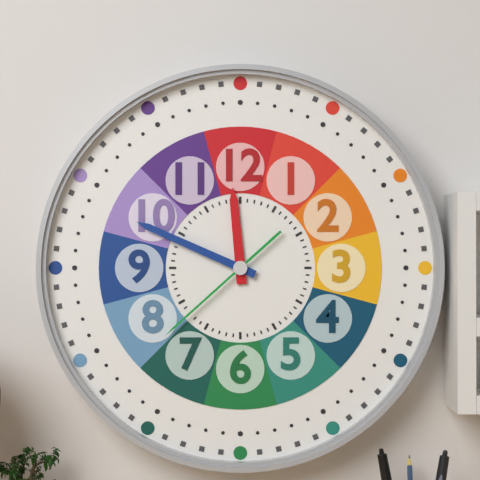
11:49:38
